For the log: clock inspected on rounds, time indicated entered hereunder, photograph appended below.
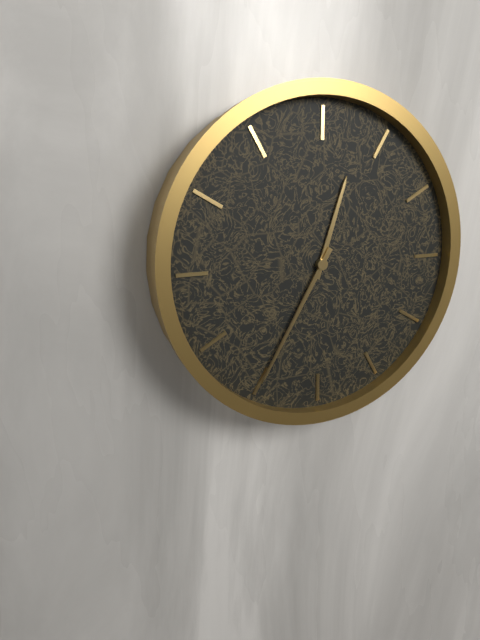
12:35
